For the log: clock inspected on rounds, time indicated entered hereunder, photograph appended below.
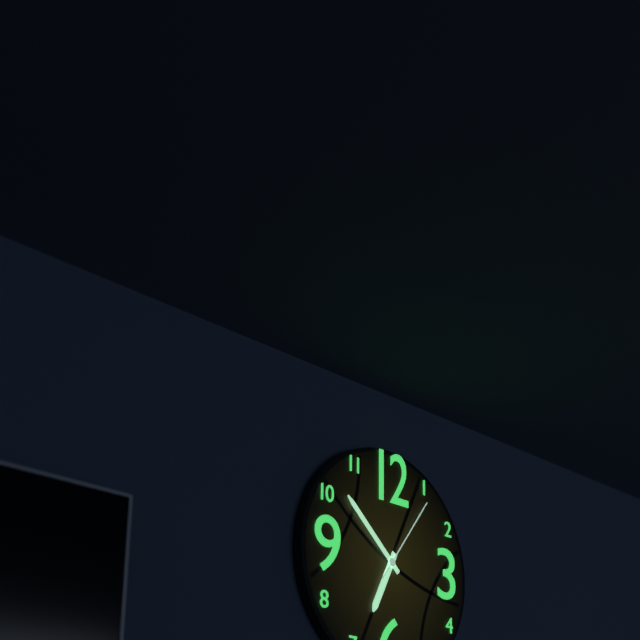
6:52:06
